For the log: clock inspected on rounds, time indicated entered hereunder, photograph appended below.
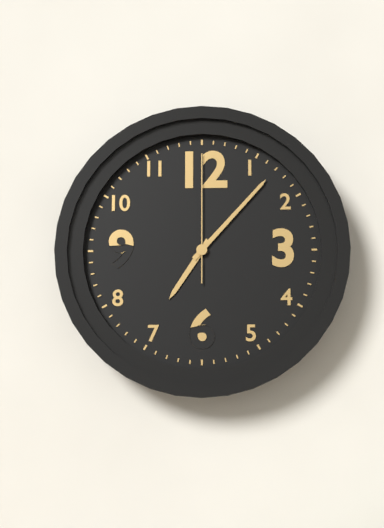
7:07:00
